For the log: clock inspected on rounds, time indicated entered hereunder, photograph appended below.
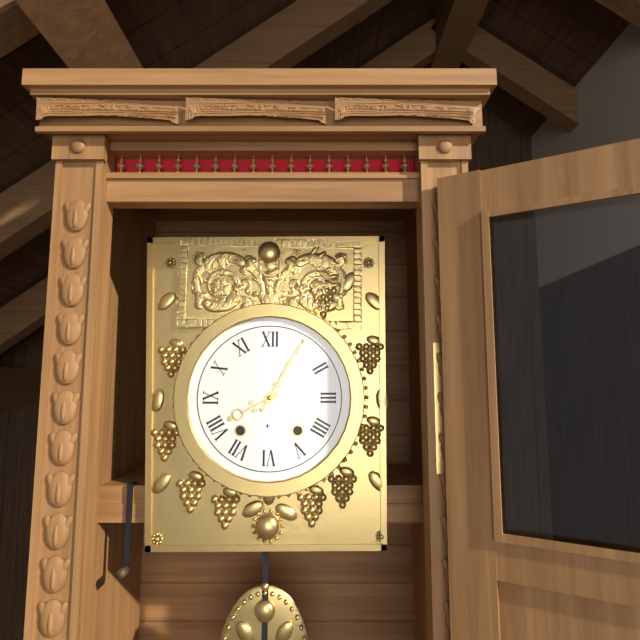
8:05
